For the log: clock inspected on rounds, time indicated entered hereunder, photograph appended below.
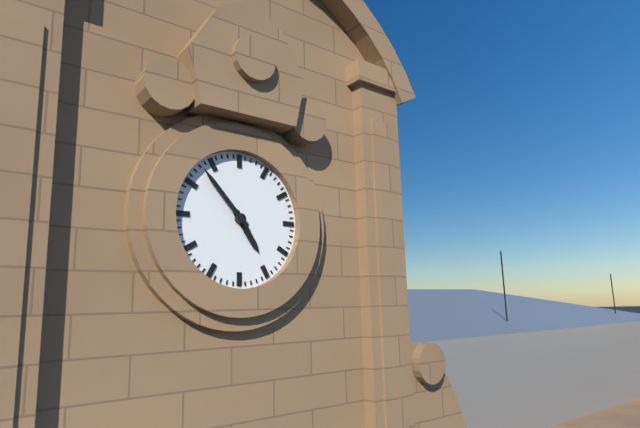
4:53
